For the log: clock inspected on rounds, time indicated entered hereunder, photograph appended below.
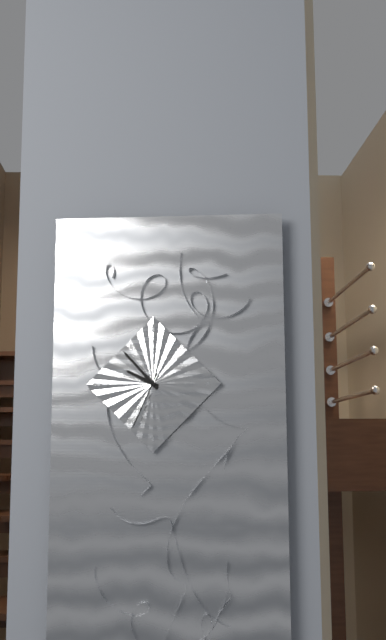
9:53:34
